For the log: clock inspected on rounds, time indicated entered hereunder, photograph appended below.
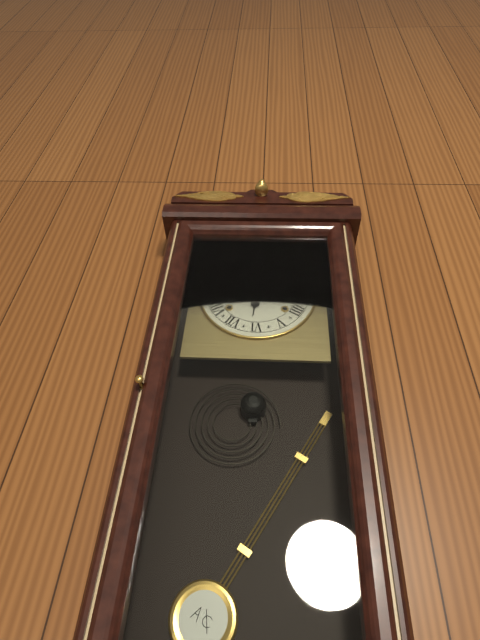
6:13
